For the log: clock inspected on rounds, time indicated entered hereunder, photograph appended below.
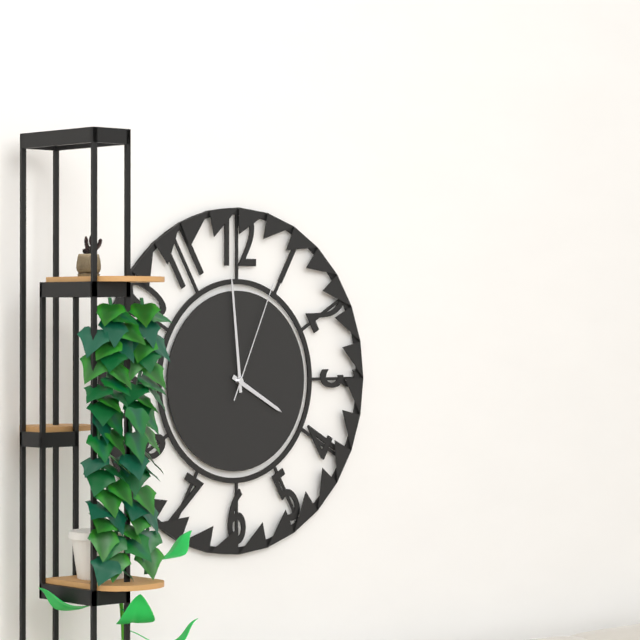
3:59:04
